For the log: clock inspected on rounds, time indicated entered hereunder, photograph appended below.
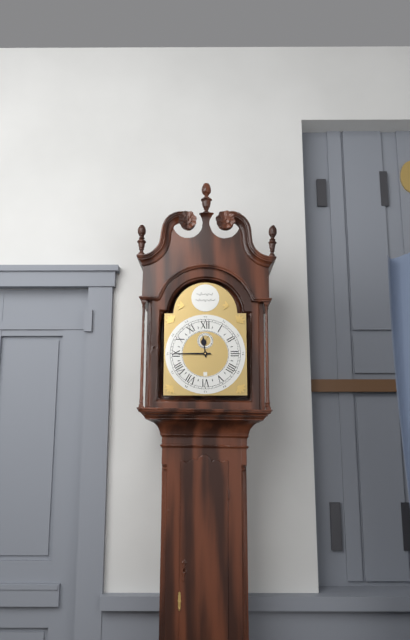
11:45
